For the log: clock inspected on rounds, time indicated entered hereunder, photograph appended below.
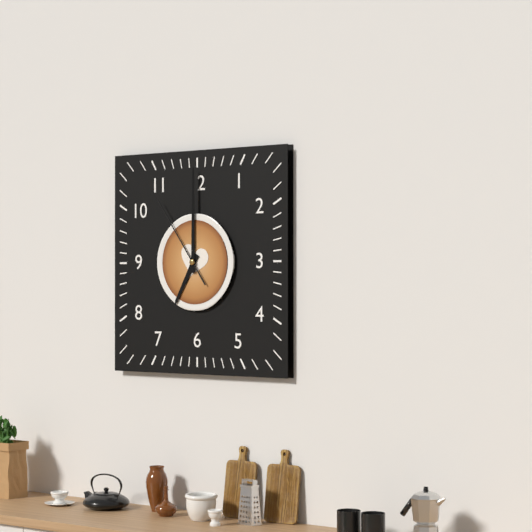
7:00:54
